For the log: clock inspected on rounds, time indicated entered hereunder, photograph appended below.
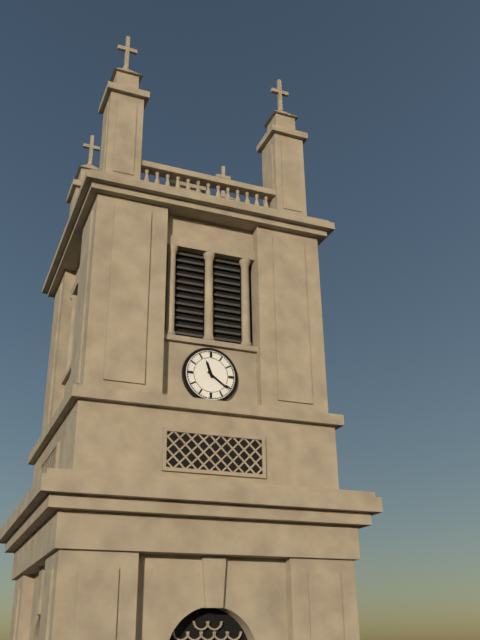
11:21
